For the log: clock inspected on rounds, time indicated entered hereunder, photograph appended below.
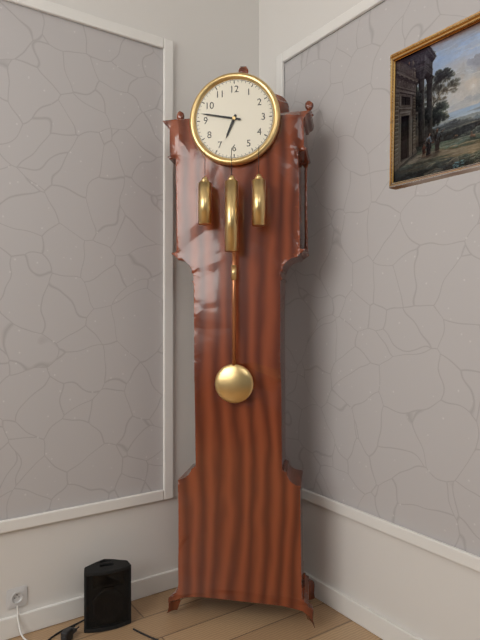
6:47
